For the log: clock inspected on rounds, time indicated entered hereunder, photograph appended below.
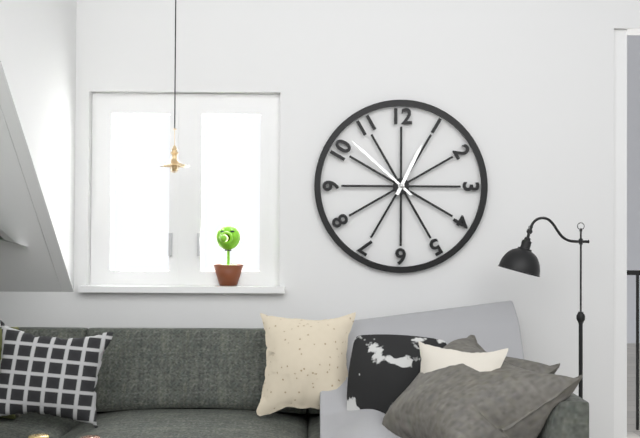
12:52
